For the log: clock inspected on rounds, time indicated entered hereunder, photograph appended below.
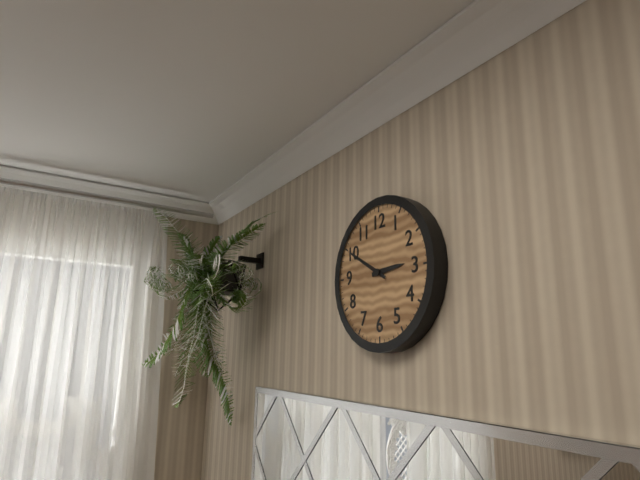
2:50
